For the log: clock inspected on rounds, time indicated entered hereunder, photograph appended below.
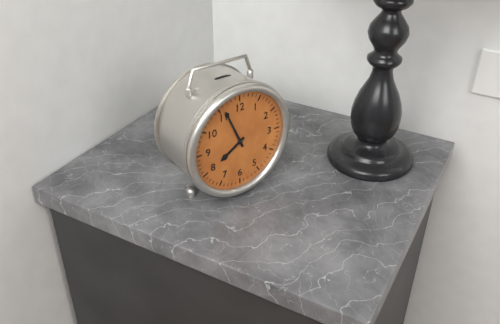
7:56
